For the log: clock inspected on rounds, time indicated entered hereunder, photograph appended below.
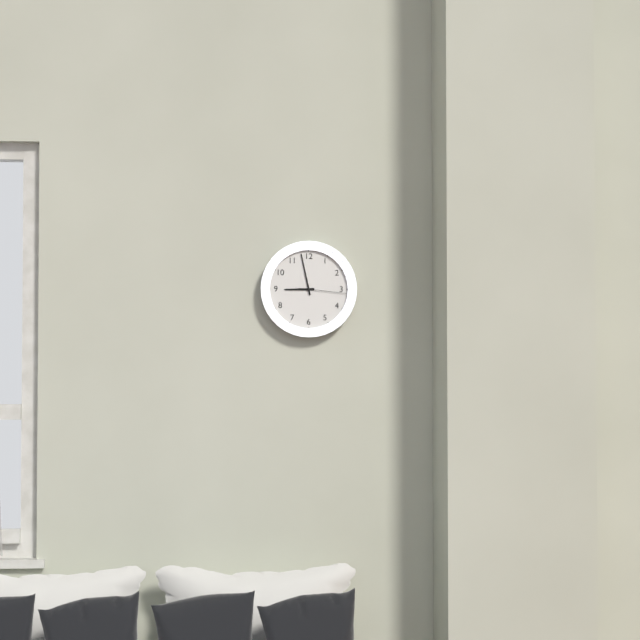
8:58
